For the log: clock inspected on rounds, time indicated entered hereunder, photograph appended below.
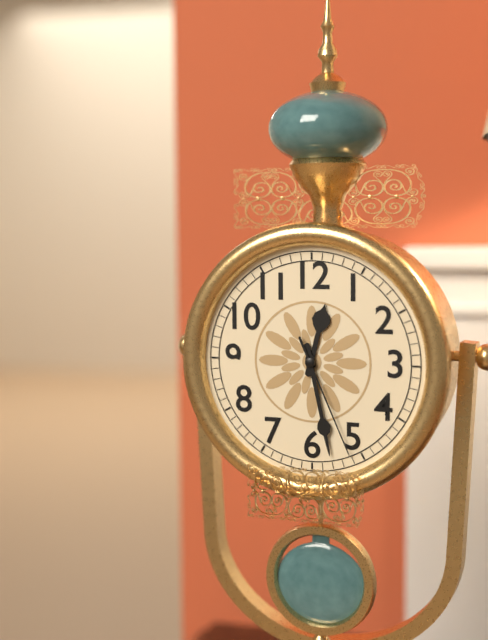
12:28:26
